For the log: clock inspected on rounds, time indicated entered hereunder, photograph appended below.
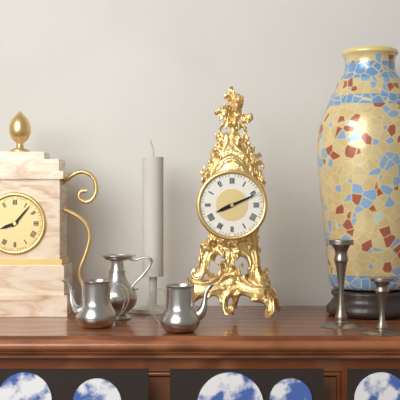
8:11
